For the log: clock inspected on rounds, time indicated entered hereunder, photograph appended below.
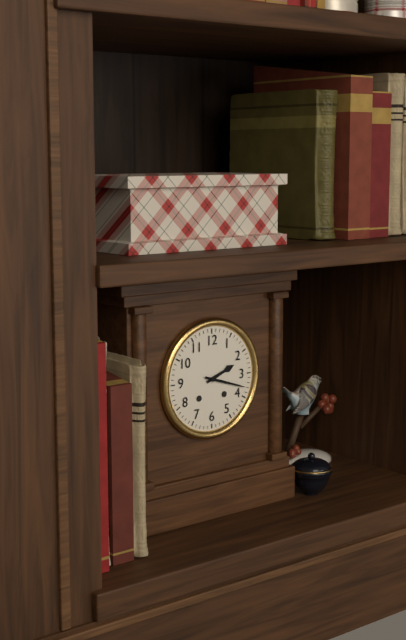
2:18
